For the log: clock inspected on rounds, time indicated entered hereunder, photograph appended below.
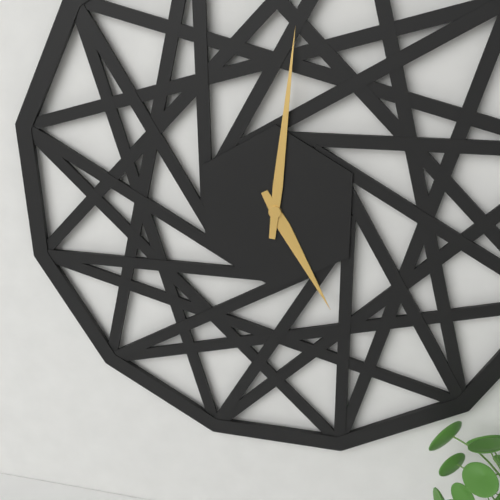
5:01
